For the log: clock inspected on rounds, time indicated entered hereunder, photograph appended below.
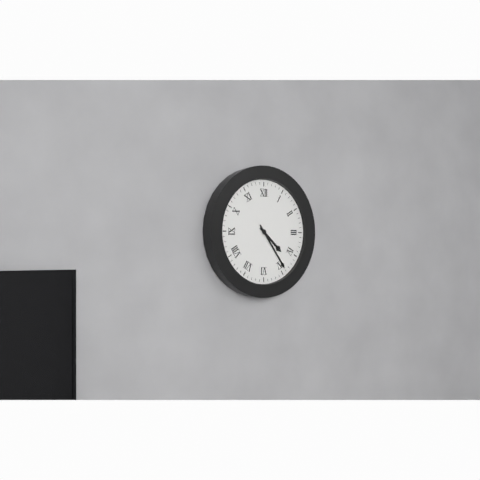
4:24
